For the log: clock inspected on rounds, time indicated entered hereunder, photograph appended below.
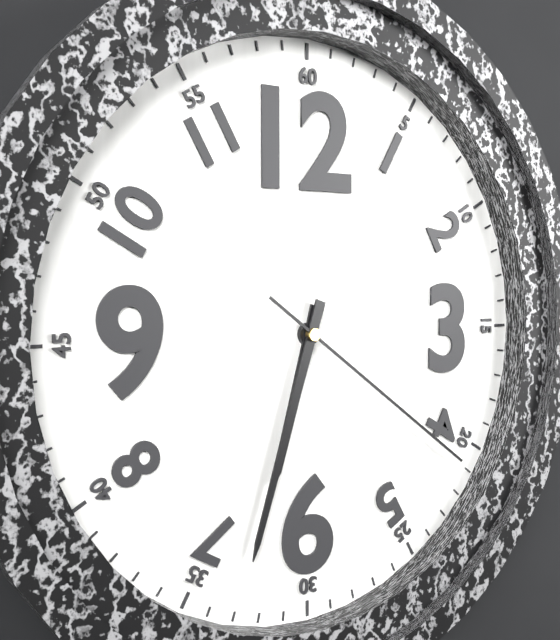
6:33:21
